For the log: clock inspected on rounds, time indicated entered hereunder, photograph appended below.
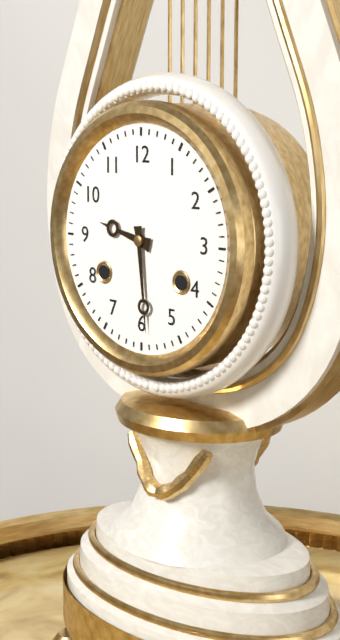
9:29
